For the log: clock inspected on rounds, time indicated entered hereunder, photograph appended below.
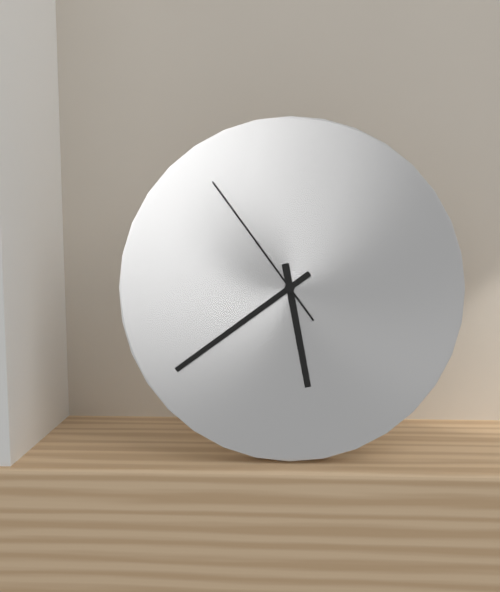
5:39:54
